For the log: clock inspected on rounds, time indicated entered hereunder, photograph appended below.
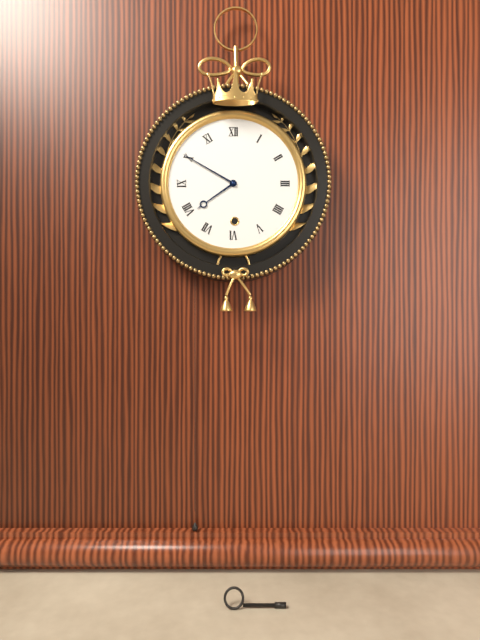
7:50
